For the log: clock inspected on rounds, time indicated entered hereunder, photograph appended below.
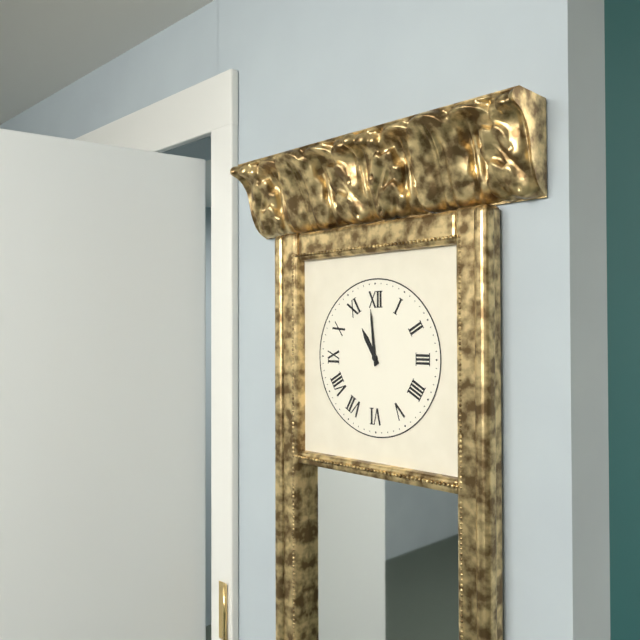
10:59
